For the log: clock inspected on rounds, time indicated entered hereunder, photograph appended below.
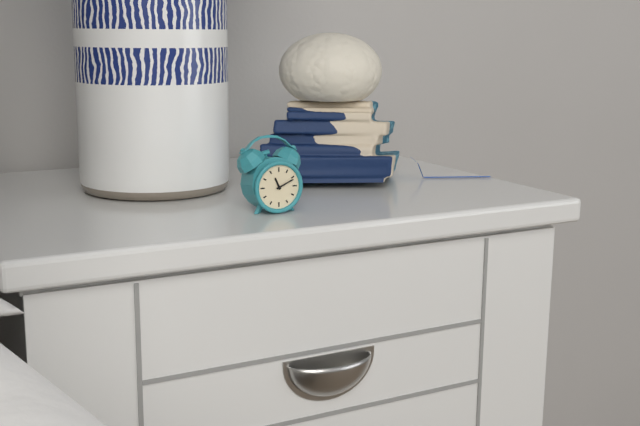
11:11
